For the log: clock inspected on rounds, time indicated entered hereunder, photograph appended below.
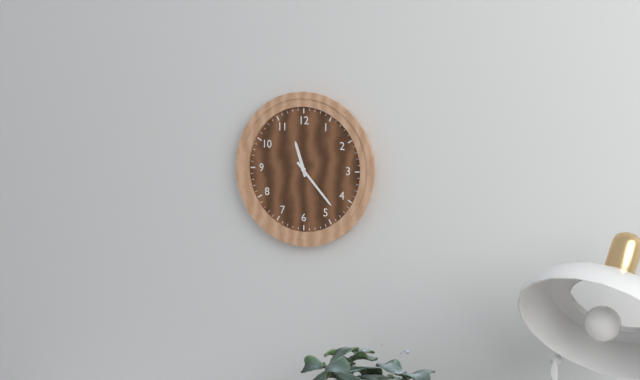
11:23
